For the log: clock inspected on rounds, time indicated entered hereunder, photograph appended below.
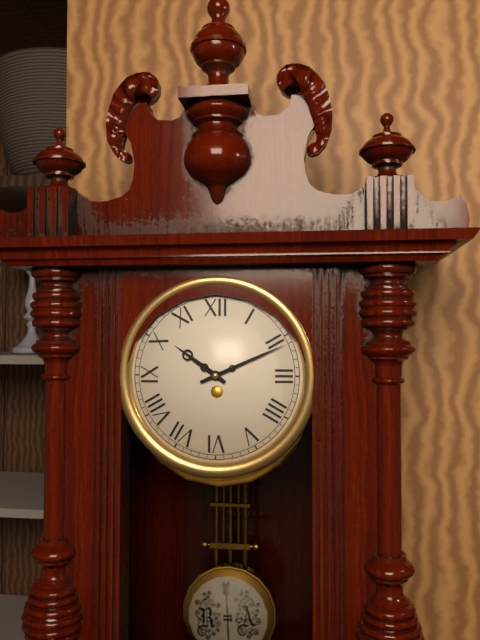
10:11
